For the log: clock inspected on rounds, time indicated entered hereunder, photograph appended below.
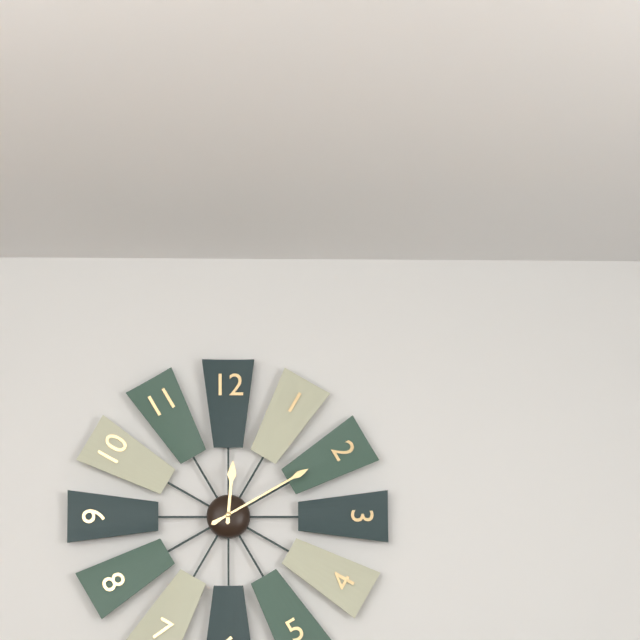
12:10
